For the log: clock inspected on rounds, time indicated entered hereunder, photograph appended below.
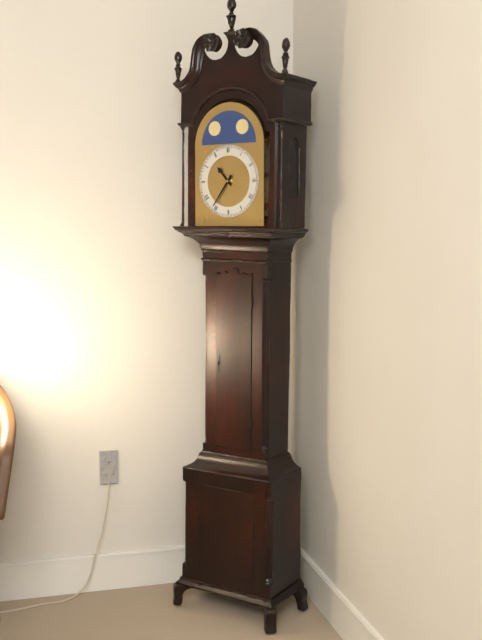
10:36
